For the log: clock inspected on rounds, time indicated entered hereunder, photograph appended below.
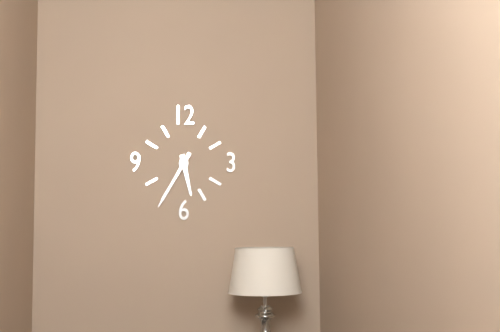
5:35
